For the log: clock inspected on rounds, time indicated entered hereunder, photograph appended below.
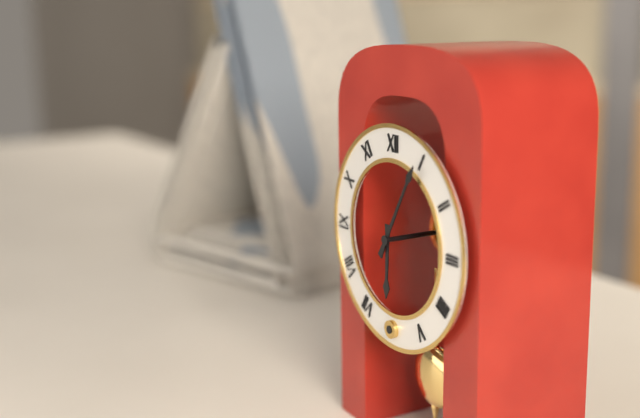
6:05
